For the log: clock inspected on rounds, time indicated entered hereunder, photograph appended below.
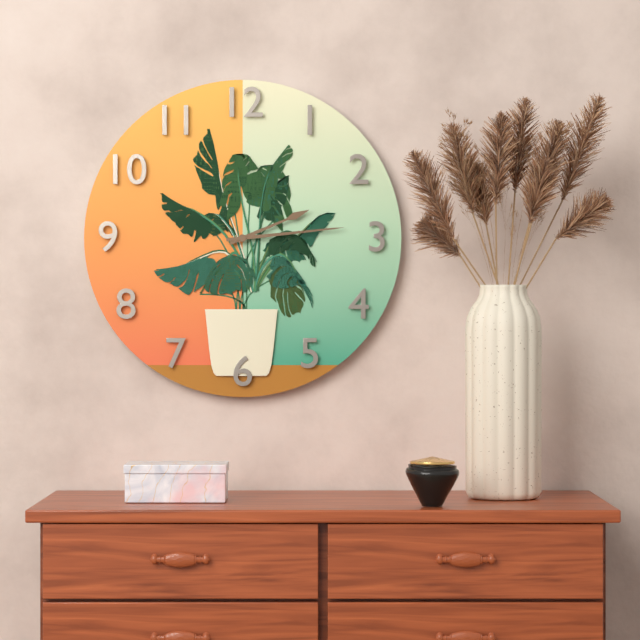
2:14
